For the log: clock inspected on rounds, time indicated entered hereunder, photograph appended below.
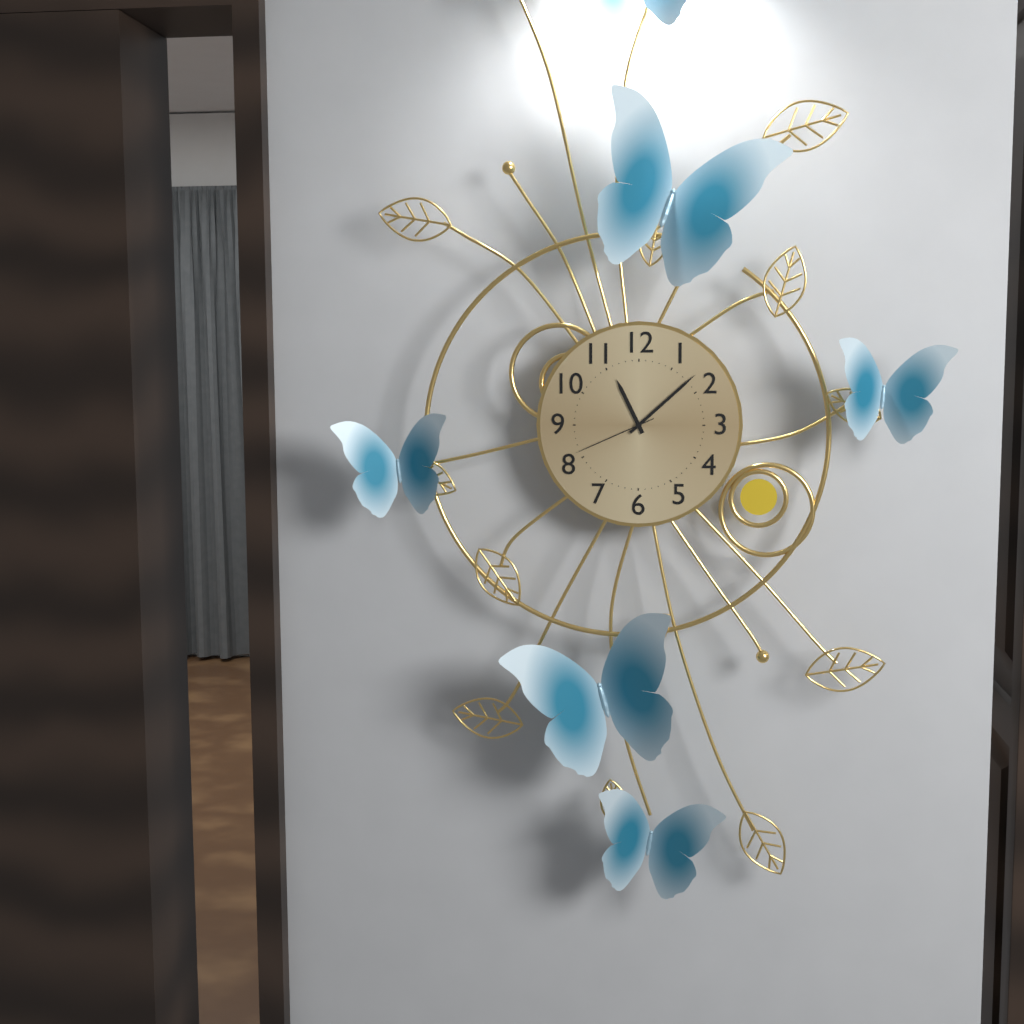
11:08:41
